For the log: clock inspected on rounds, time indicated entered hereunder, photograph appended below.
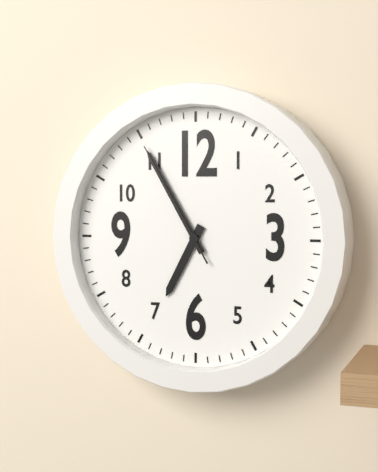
6:55:55
